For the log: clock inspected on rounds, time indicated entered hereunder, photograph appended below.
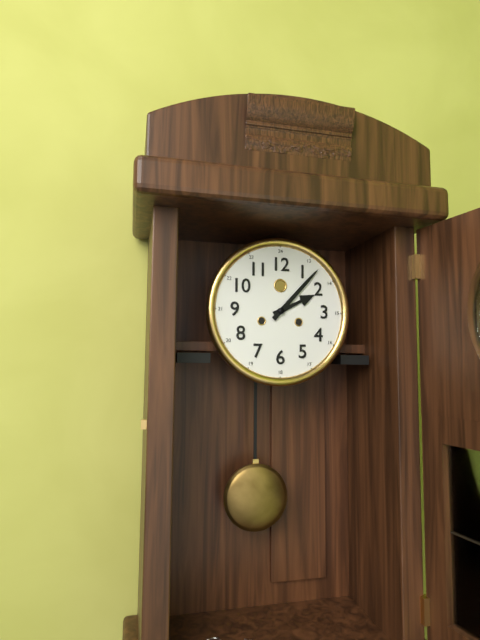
2:07
